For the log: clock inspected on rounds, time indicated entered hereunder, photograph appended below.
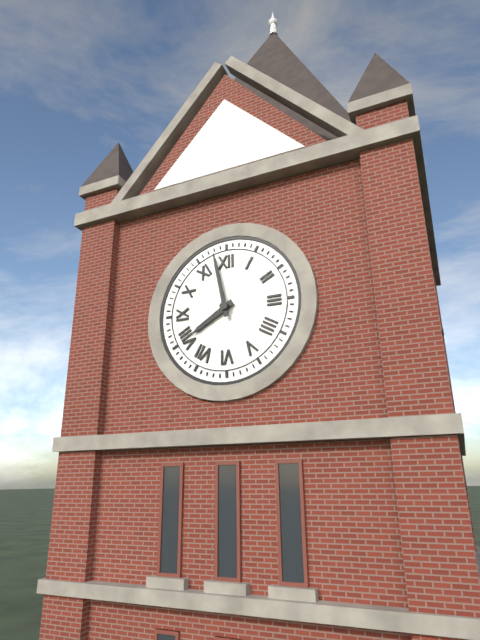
7:58
